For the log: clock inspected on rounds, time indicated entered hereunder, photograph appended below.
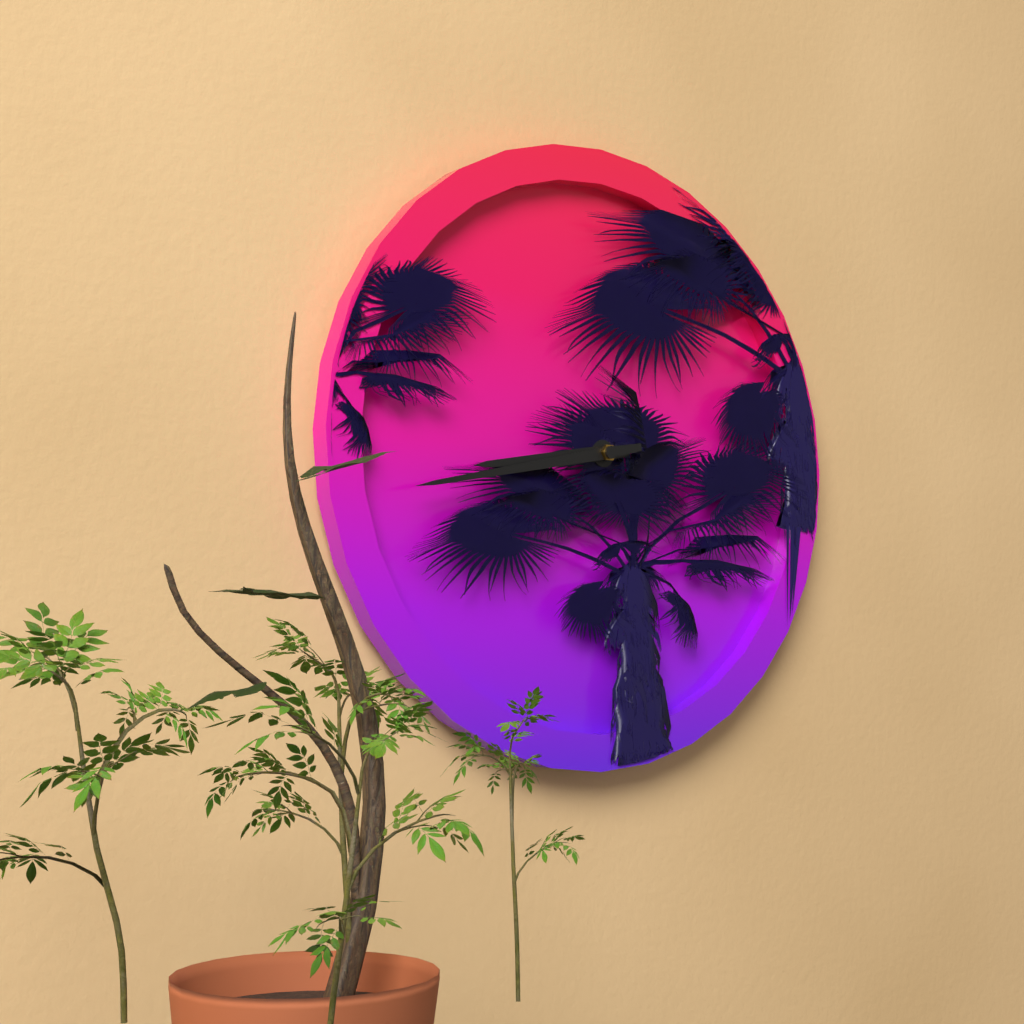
8:43
